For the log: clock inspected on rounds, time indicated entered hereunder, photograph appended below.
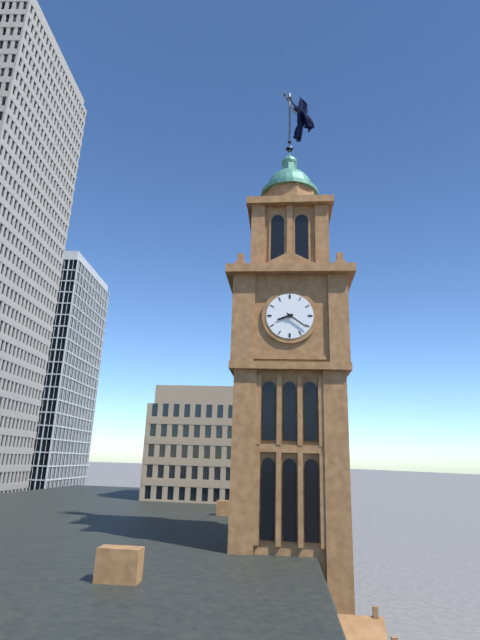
8:21
